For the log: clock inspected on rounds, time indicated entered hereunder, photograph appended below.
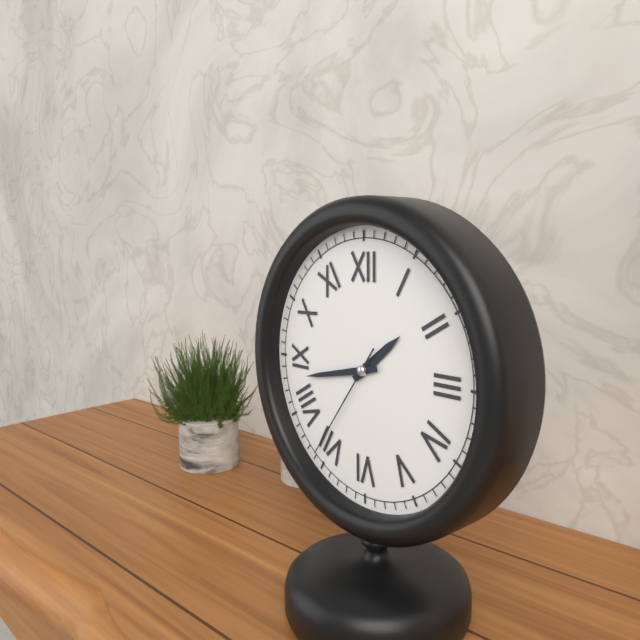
1:43:36
